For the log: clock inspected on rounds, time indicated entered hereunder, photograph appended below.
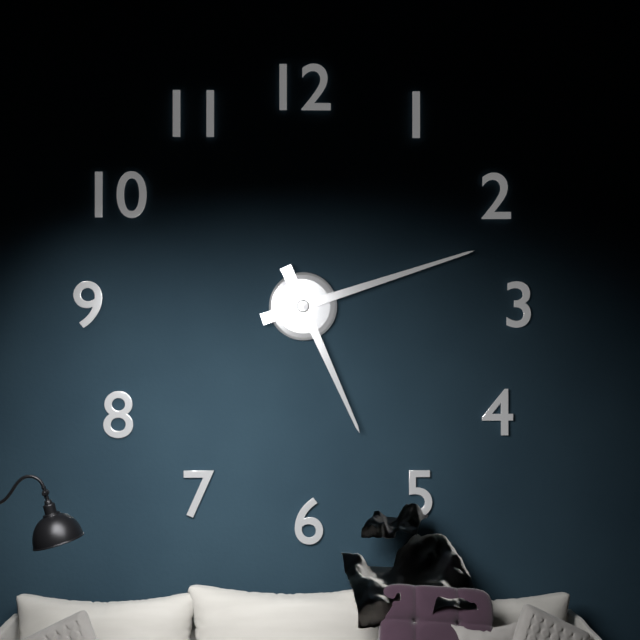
5:12
